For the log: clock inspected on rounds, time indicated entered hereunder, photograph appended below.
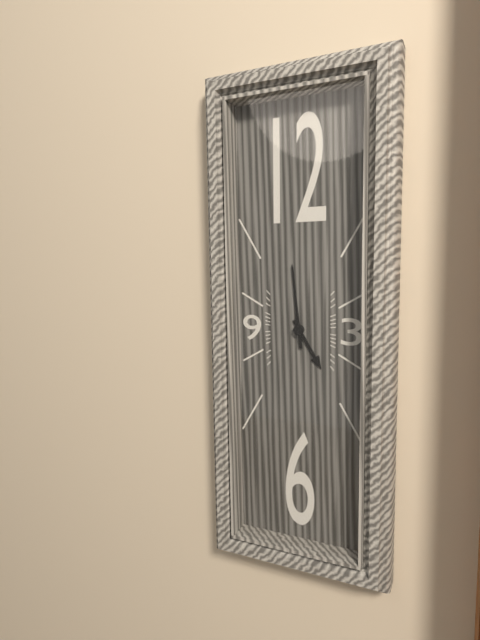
4:59
